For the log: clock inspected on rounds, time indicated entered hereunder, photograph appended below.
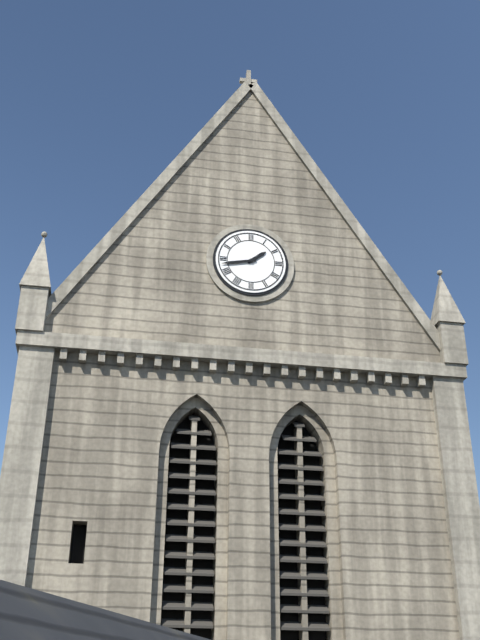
1:43
